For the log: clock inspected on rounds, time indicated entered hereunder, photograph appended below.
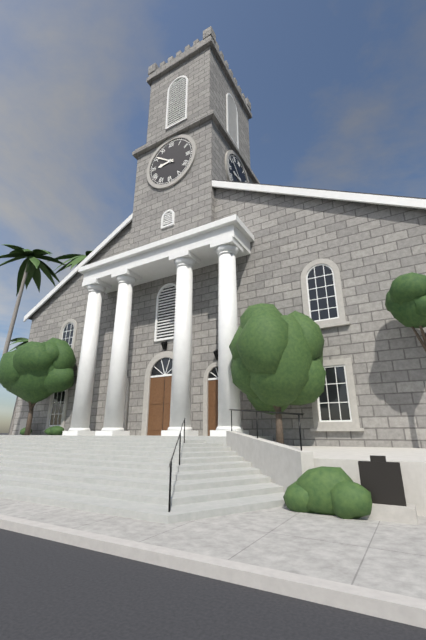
8:51
